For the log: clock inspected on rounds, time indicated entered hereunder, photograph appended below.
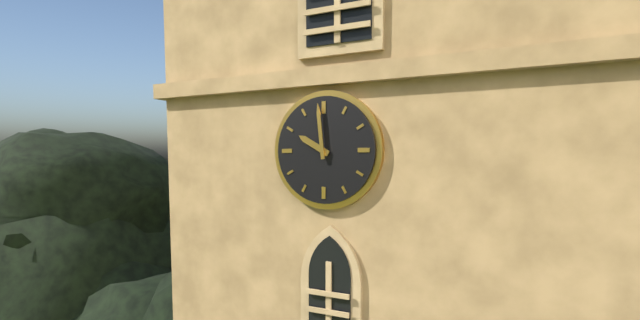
9:59
